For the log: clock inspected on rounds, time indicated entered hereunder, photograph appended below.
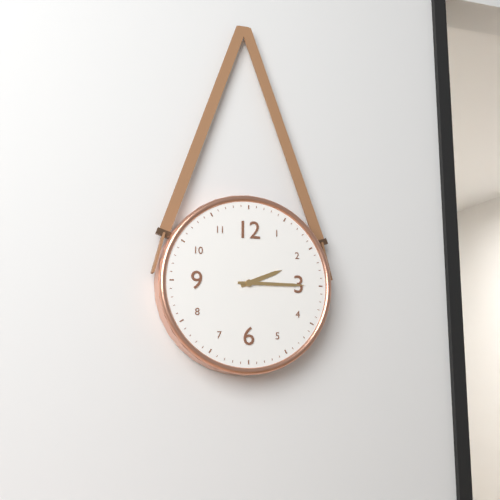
2:15
